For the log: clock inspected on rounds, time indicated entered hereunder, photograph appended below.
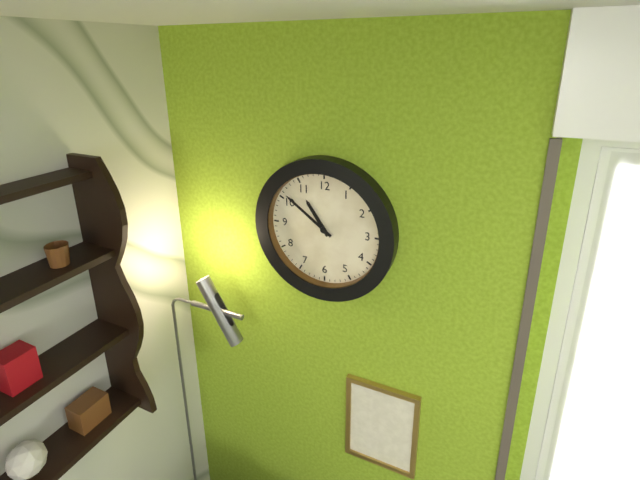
10:51
